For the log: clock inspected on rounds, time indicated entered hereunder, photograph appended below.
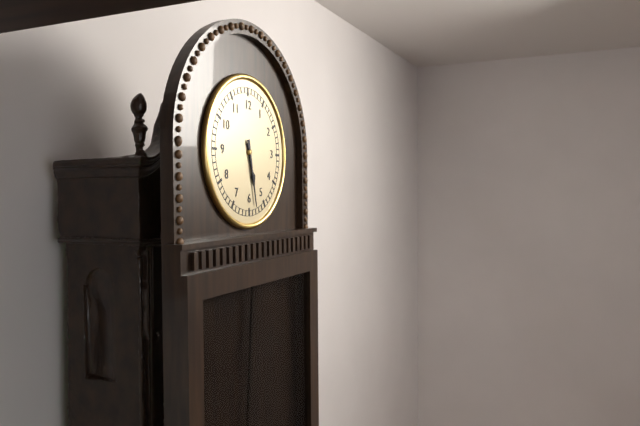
5:28
